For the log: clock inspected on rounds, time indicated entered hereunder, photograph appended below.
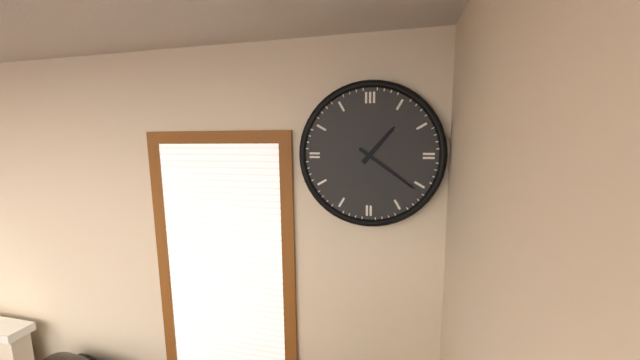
1:21
